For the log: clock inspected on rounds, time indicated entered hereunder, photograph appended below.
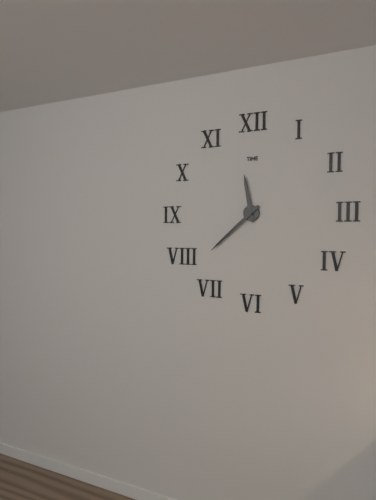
11:38
